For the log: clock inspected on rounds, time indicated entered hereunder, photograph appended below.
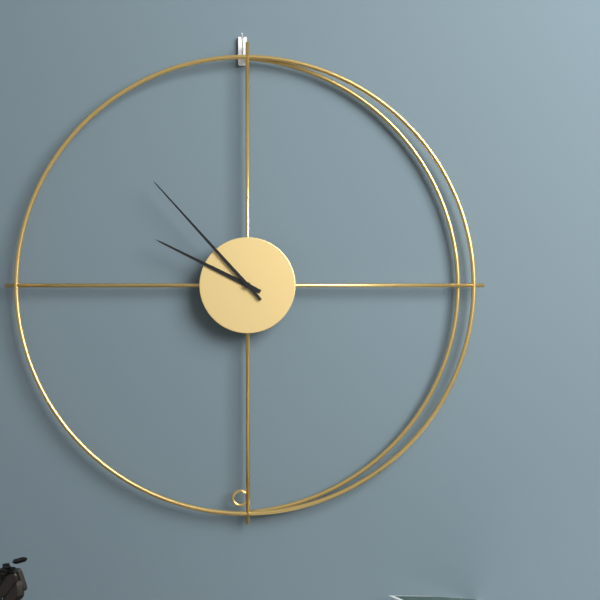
9:53
